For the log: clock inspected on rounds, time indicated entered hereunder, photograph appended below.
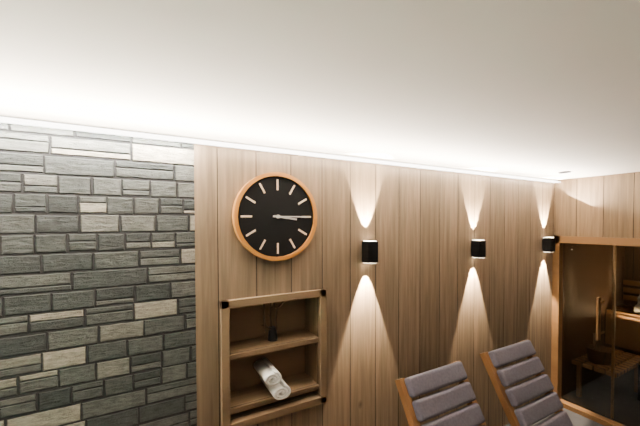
3:15
